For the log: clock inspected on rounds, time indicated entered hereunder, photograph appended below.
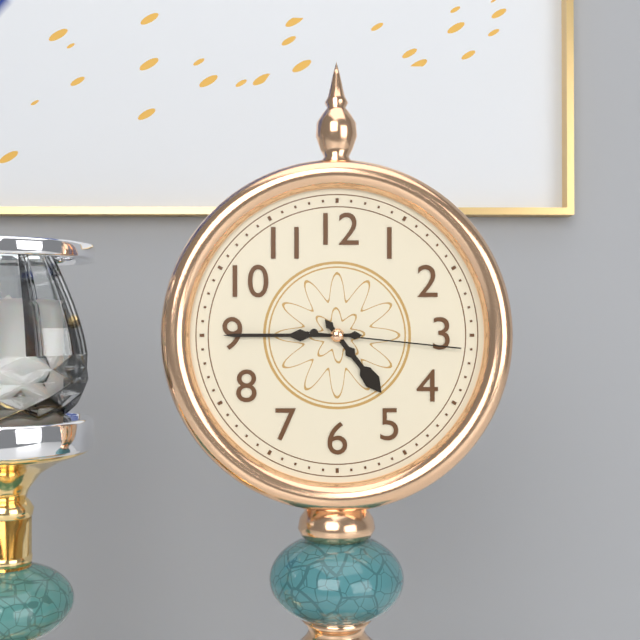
4:45:16
